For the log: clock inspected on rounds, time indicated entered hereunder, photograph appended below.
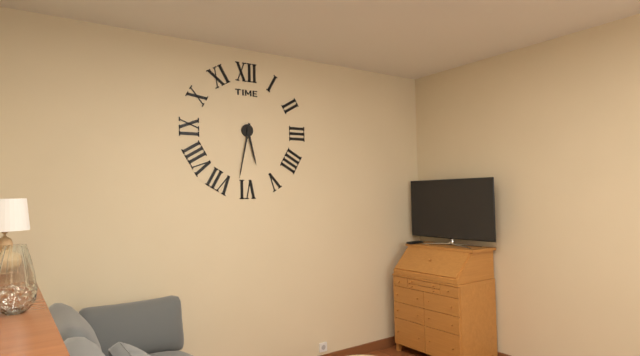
5:32
